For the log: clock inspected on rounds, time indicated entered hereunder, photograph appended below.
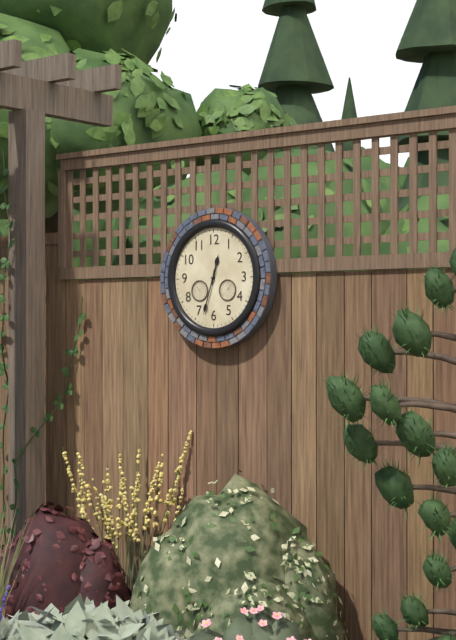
12:33
